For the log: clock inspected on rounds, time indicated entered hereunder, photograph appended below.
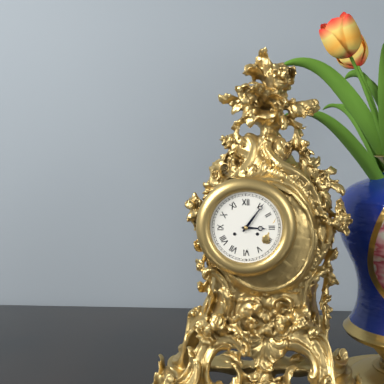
3:06
